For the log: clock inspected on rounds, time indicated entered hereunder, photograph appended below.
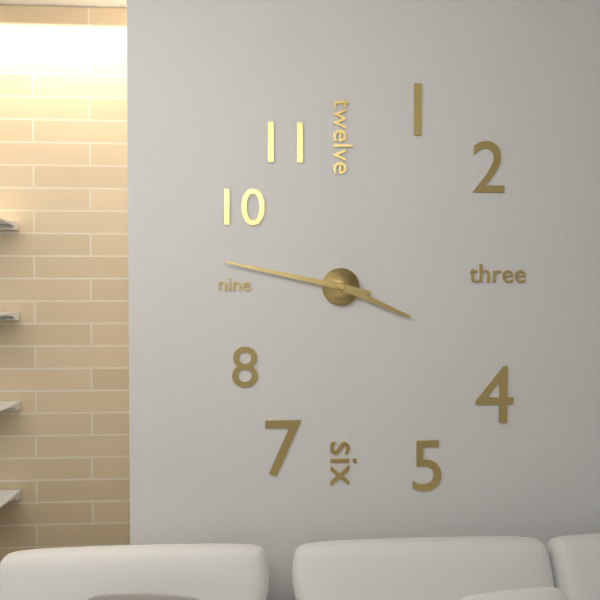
3:47
